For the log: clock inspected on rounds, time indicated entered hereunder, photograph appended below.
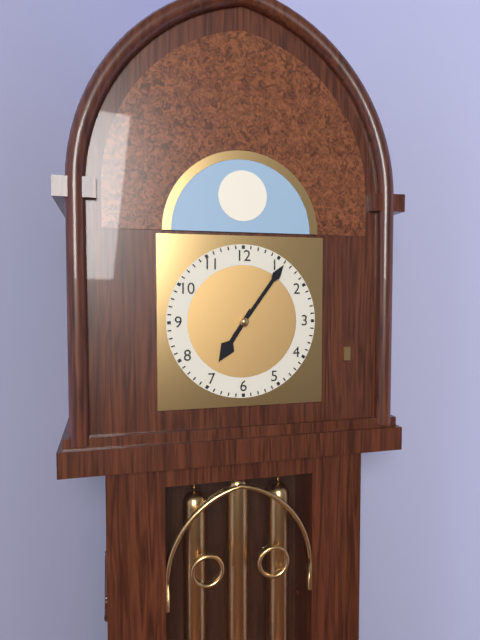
7:06
